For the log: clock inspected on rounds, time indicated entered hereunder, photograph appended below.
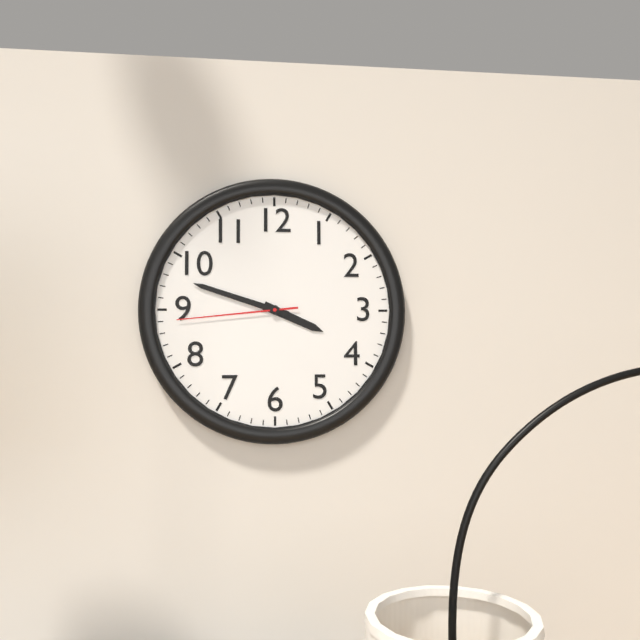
3:48:44
